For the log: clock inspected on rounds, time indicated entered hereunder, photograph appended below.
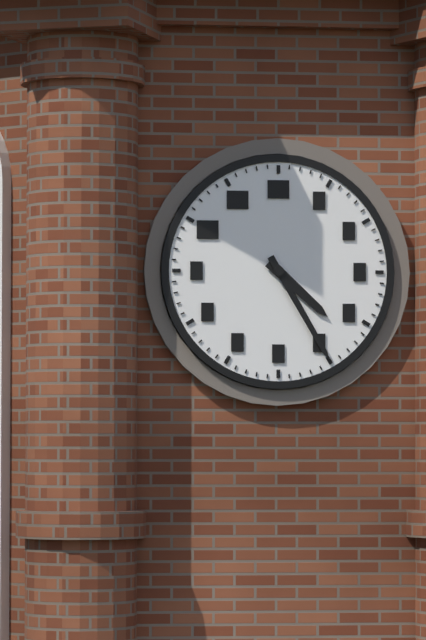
4:25
